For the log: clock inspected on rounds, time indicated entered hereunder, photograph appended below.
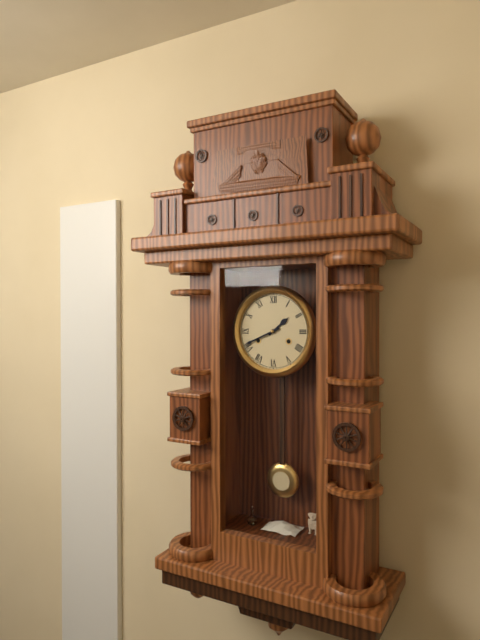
1:41
